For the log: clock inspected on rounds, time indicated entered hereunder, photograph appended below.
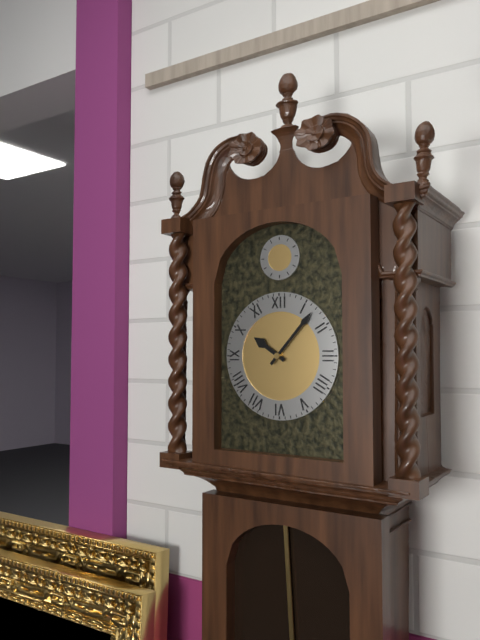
10:07
